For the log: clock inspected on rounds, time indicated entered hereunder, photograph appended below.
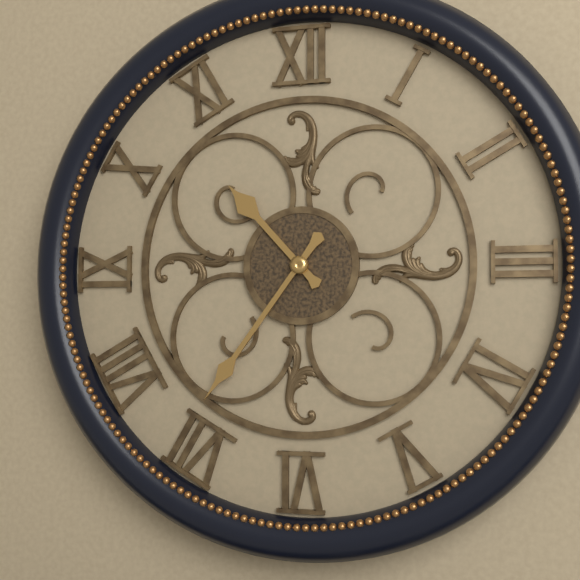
10:36
